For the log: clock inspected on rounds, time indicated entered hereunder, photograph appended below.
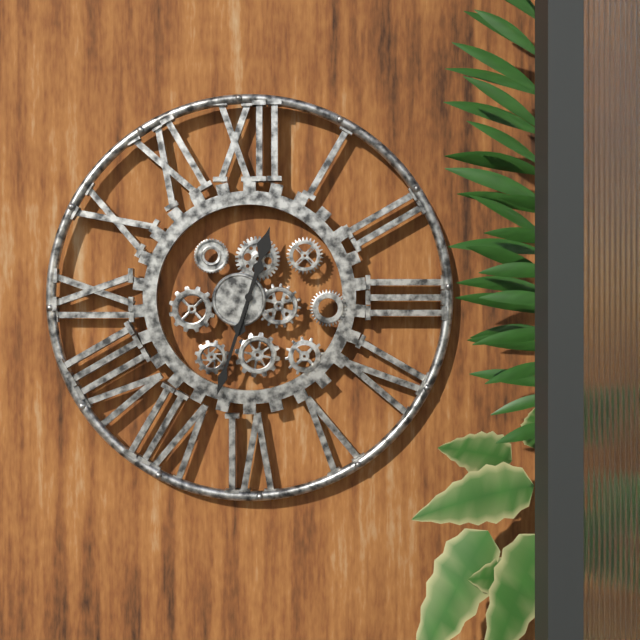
12:33
